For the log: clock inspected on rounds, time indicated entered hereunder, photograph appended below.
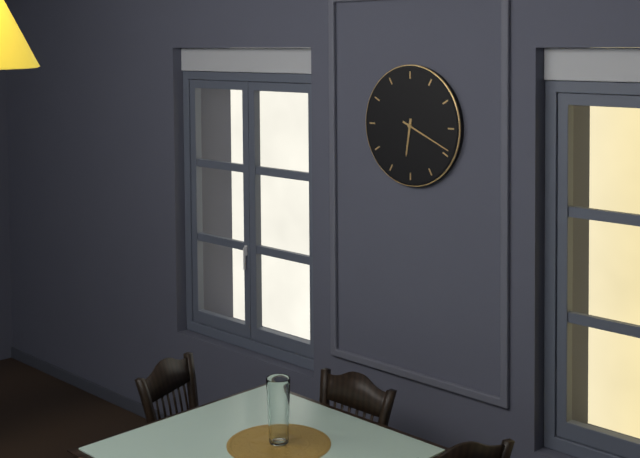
6:19
